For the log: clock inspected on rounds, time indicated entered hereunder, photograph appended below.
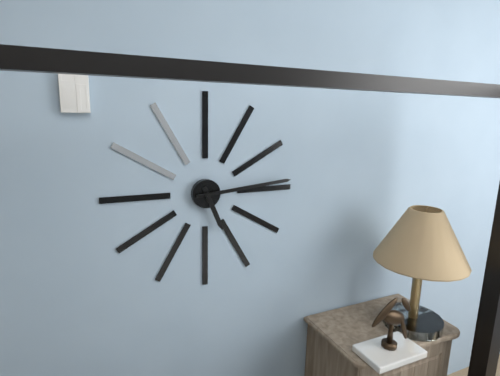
5:14
